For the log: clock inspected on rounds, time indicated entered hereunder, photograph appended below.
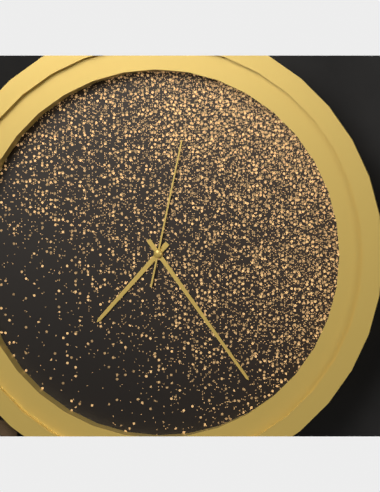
7:24:02
